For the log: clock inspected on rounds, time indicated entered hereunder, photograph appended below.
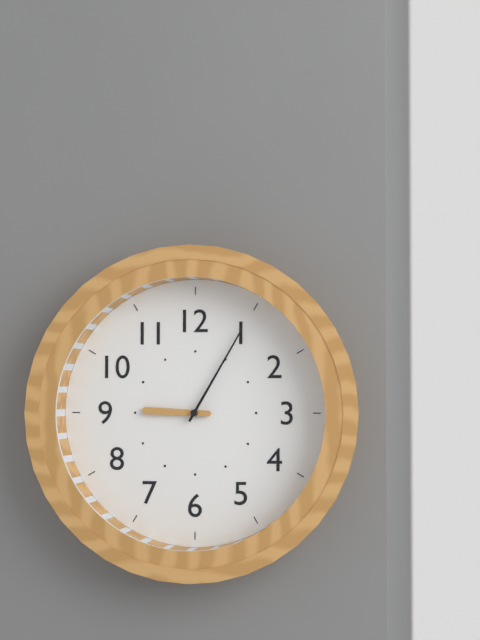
9:05
